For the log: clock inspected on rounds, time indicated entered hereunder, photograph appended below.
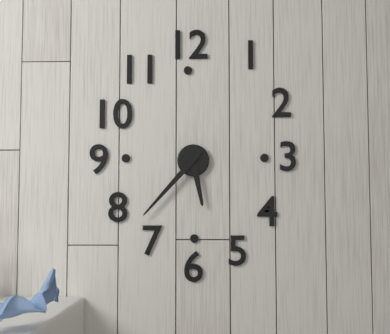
5:37
